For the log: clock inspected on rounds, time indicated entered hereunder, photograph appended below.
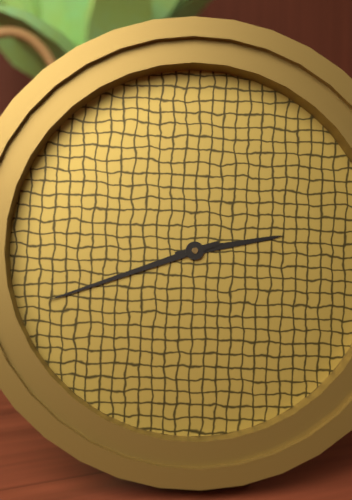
2:42
